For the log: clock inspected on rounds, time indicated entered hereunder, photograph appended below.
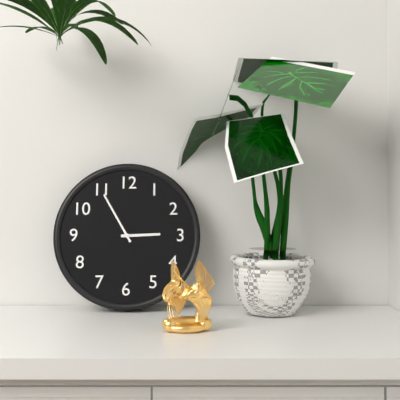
2:55
